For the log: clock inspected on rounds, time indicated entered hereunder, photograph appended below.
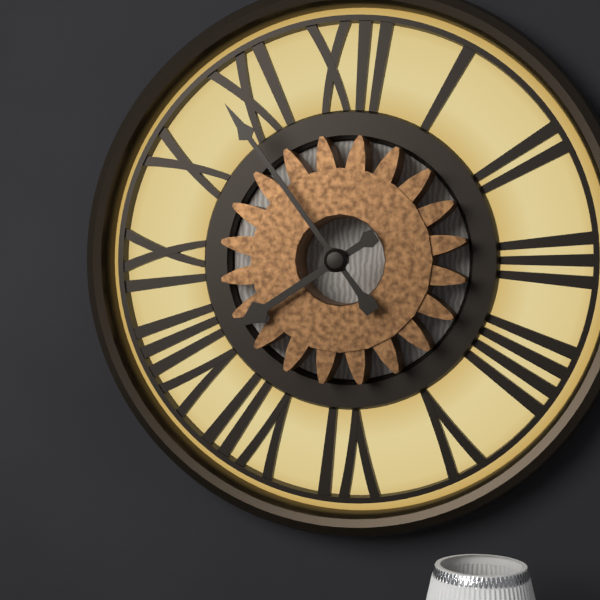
7:54
